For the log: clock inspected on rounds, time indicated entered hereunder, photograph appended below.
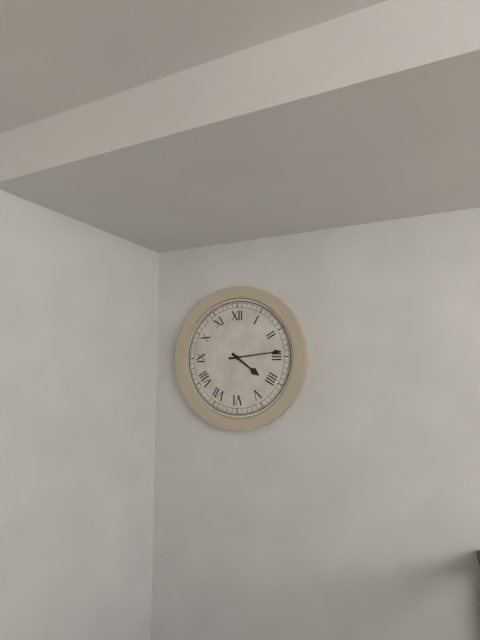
4:14
